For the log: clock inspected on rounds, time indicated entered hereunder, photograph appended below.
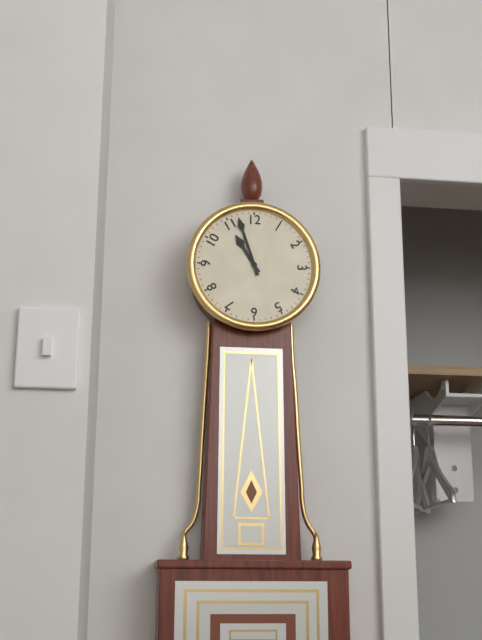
10:57
